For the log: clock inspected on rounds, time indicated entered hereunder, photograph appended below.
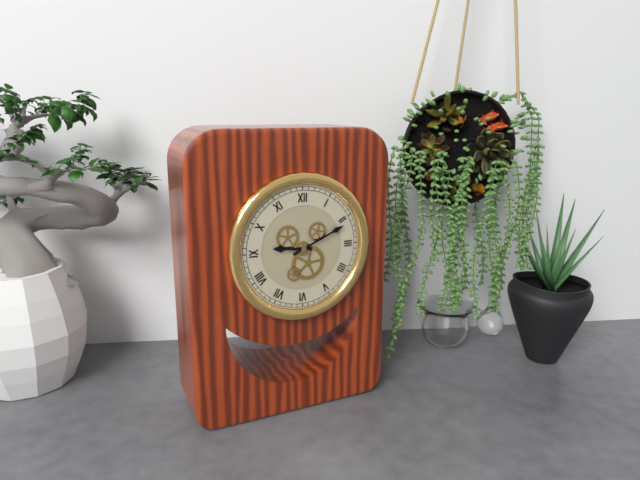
9:11
